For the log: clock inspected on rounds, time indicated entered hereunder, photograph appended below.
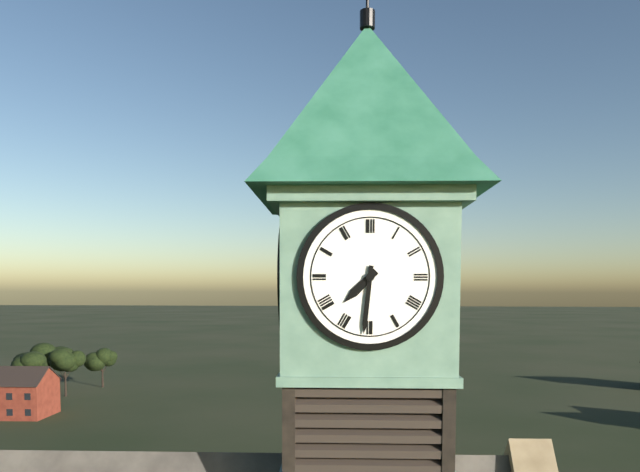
7:31
